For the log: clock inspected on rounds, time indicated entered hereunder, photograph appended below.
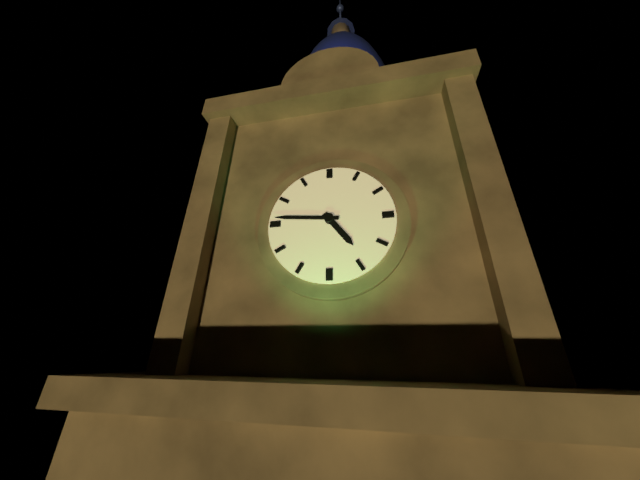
4:46
